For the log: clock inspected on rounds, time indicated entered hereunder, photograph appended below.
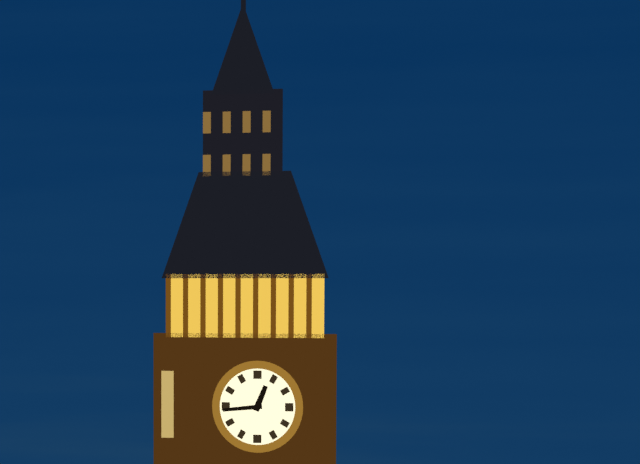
12:44
